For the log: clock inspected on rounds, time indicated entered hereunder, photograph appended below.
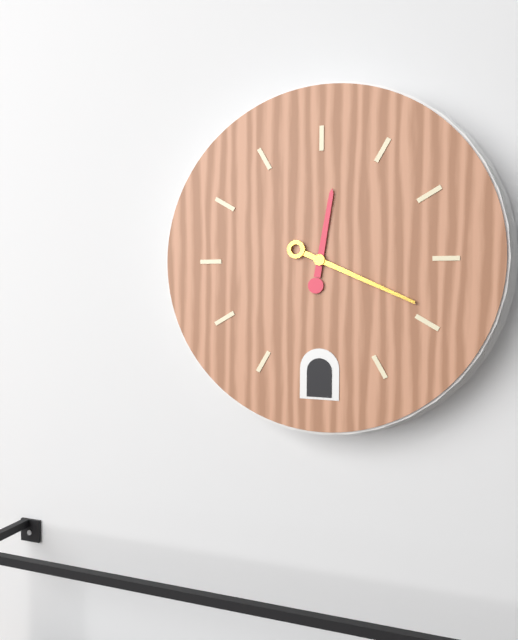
12:19
